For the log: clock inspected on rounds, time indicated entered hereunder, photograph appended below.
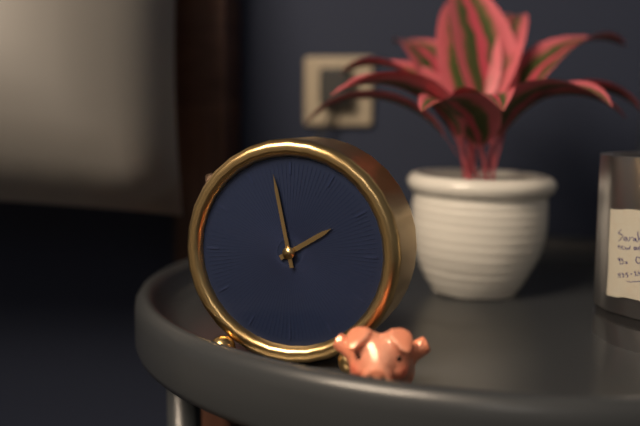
1:58
